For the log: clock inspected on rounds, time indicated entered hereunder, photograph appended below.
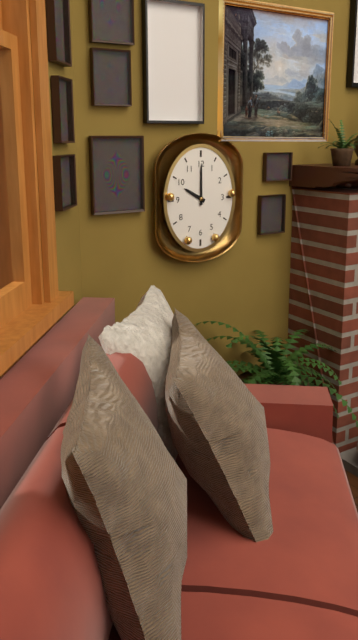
10:00
